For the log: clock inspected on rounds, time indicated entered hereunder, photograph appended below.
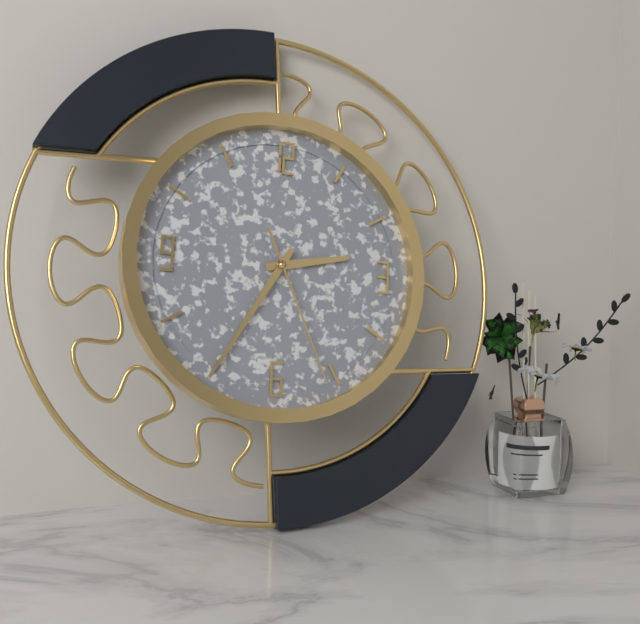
2:35:26
